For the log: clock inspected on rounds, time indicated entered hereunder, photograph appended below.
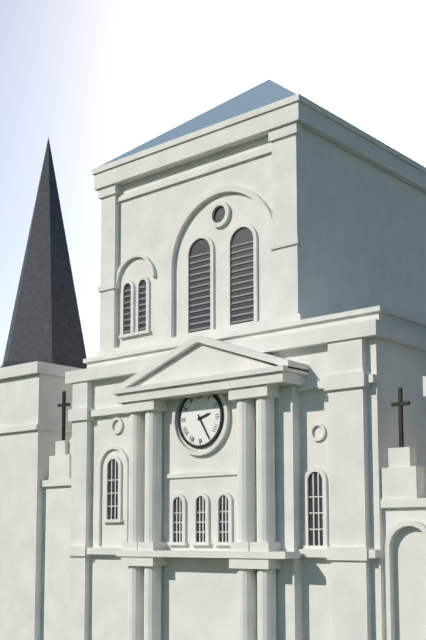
2:25
